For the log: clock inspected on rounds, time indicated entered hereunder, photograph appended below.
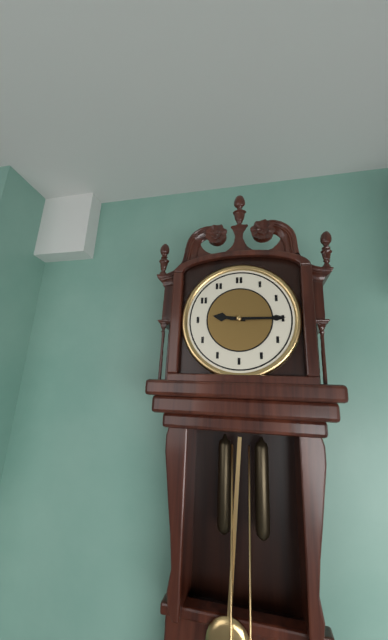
9:15
